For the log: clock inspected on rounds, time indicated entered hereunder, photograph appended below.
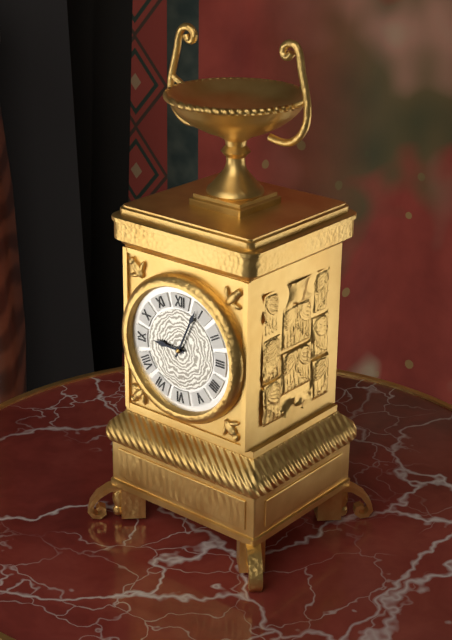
9:04
